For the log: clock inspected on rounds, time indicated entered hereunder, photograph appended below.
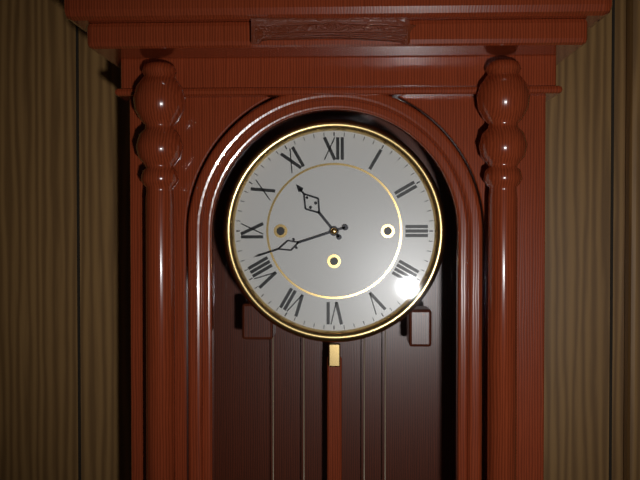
10:42
